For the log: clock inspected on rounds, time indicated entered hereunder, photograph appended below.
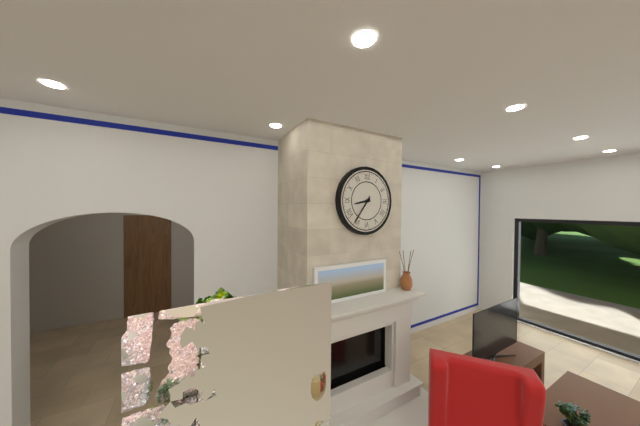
8:36
